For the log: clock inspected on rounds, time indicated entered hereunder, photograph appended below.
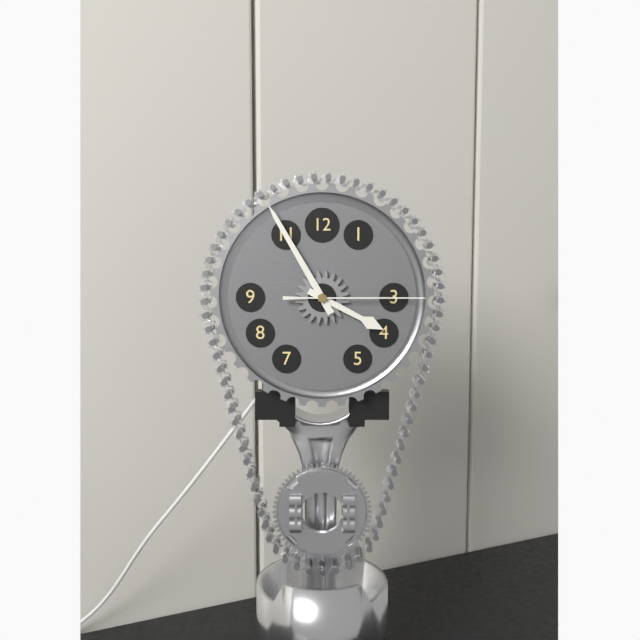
3:55:15
